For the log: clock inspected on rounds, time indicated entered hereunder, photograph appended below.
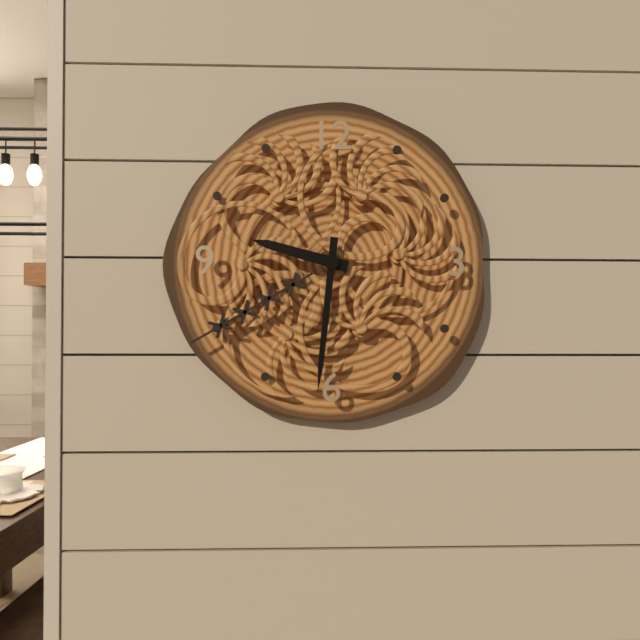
9:31
